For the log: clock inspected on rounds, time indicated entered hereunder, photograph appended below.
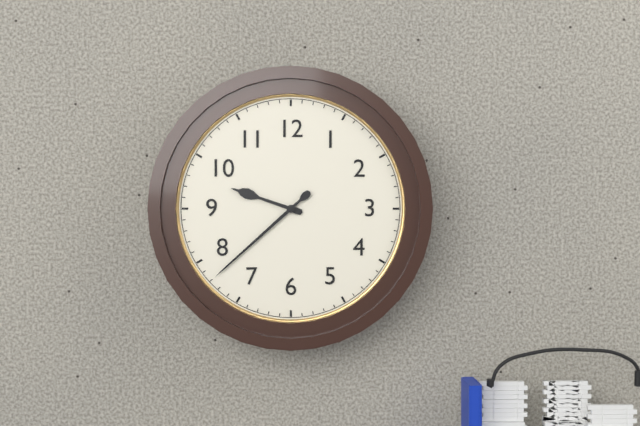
9:38
